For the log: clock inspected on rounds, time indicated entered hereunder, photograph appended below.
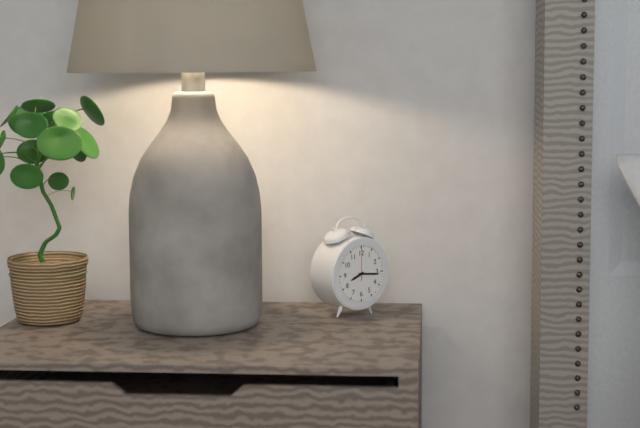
8:16
